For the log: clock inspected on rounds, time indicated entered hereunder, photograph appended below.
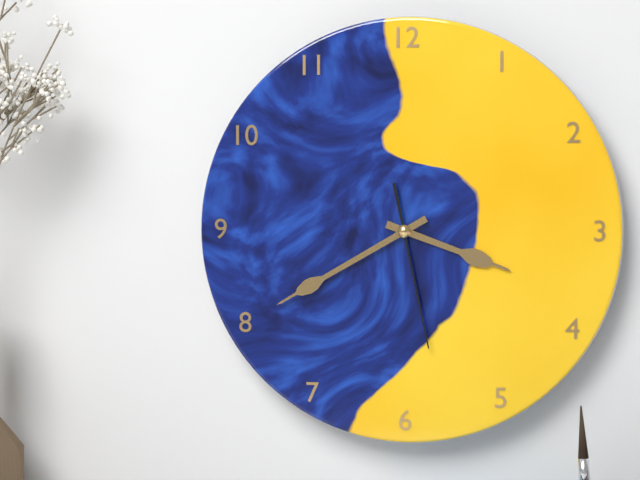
3:40:28
